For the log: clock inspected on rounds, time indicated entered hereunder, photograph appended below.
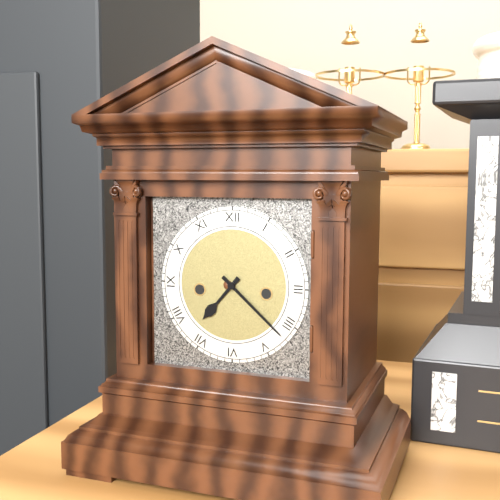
7:22
